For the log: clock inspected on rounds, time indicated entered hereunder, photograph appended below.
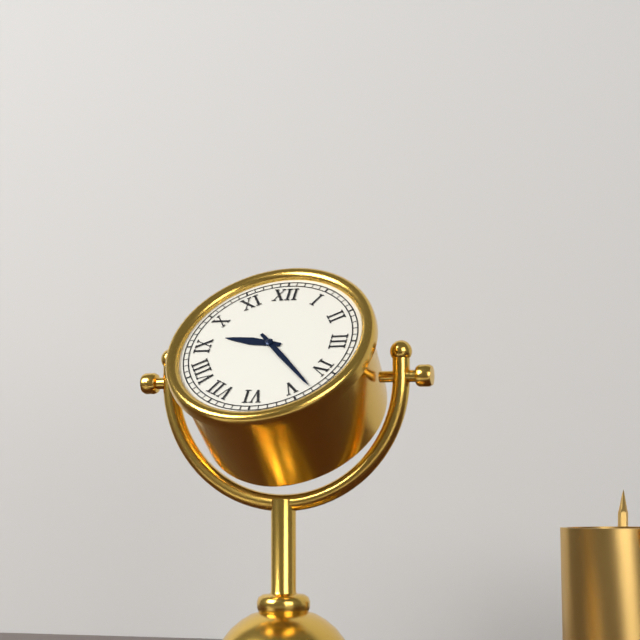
9:23
